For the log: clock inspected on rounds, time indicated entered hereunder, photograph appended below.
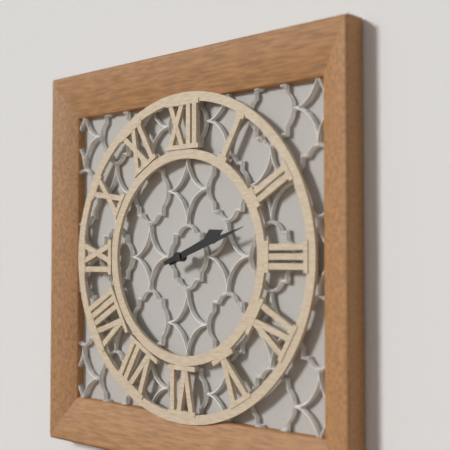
2:12
